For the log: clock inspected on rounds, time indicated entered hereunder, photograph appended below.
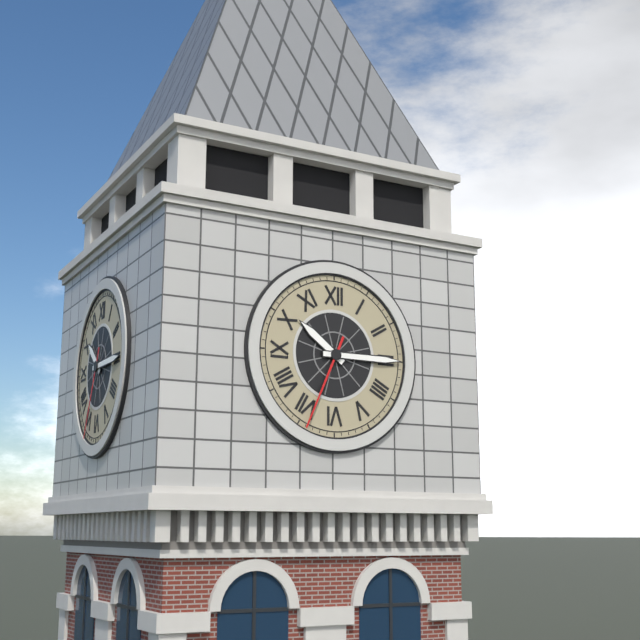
10:15:34
